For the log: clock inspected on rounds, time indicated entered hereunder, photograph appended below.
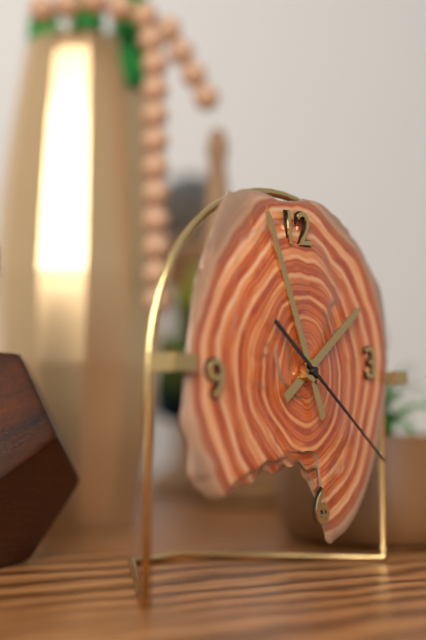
1:57:22
